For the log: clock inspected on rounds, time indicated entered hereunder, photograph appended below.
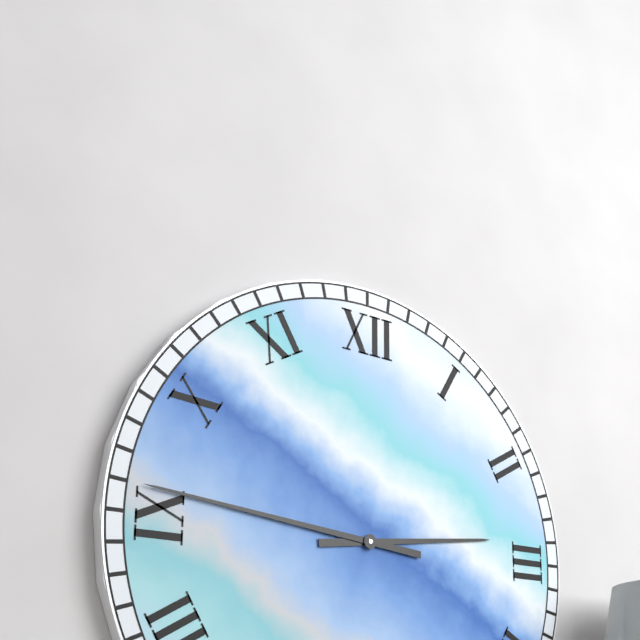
2:46
